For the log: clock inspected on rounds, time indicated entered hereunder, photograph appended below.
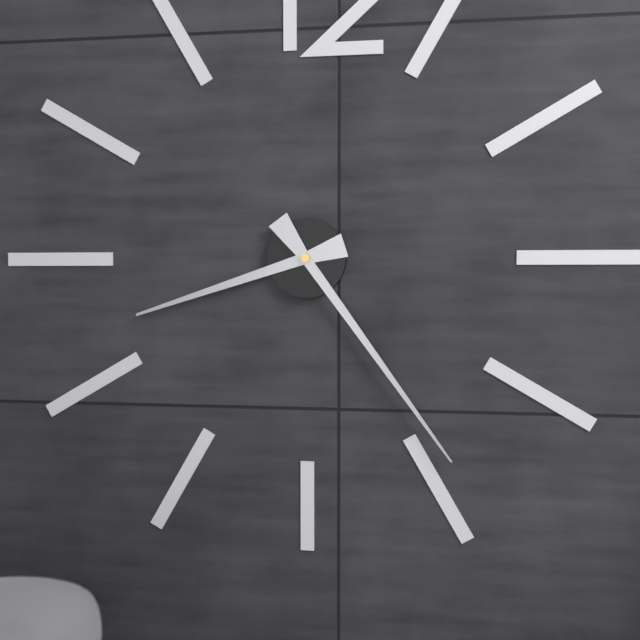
8:24
